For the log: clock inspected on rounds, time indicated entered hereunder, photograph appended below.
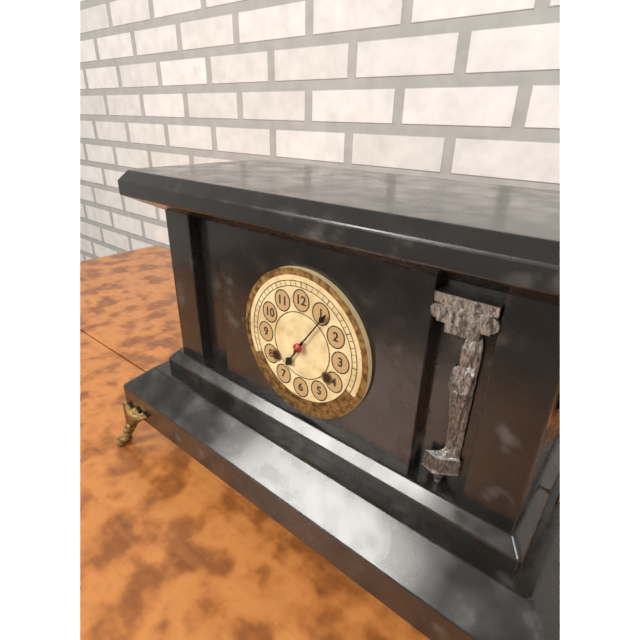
7:06
